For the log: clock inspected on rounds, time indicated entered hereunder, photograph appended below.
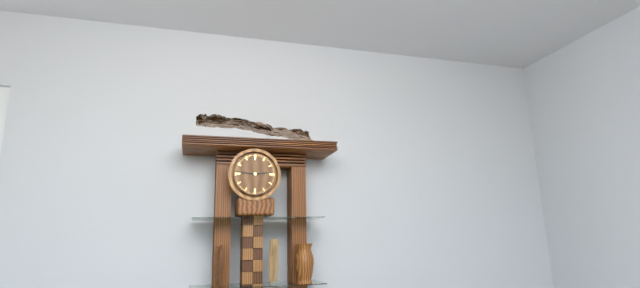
2:46
